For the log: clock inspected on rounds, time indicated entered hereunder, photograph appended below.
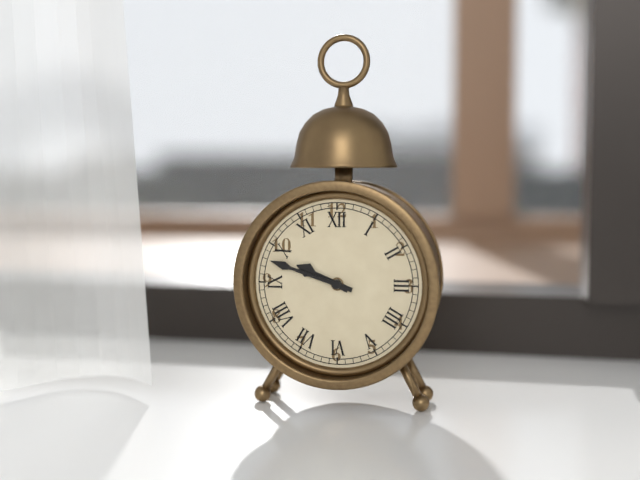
9:48
